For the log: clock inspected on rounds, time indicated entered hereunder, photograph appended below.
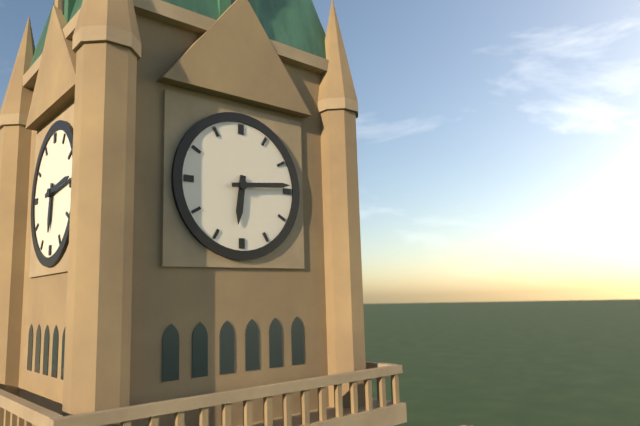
6:14
